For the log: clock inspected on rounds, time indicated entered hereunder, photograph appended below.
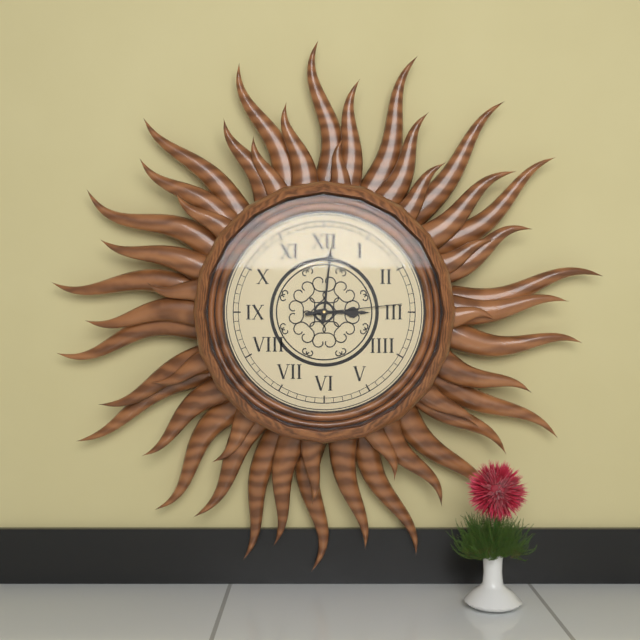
3:01:14
